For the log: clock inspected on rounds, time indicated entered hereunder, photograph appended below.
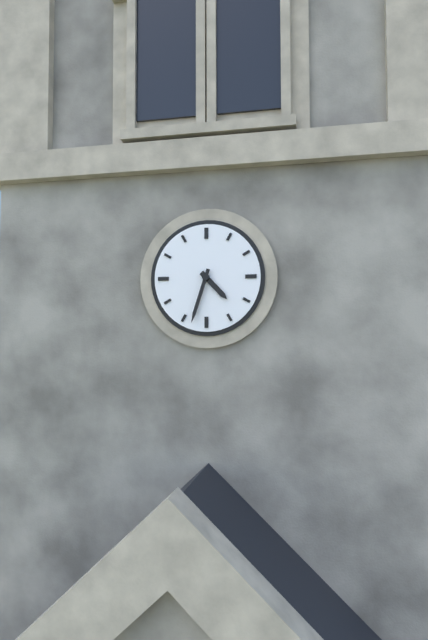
4:33
